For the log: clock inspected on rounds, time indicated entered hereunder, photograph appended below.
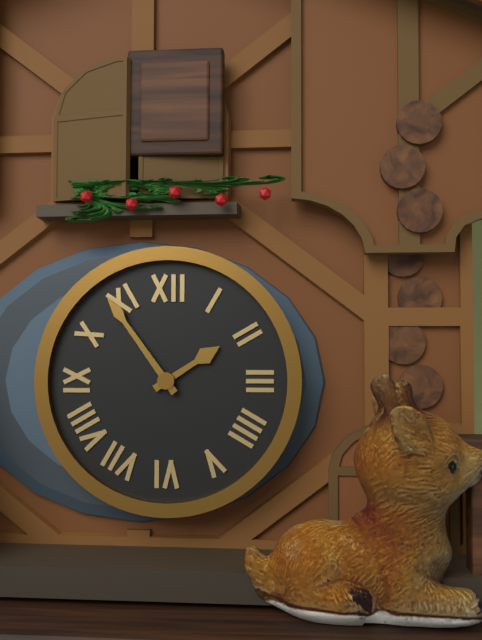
1:54
